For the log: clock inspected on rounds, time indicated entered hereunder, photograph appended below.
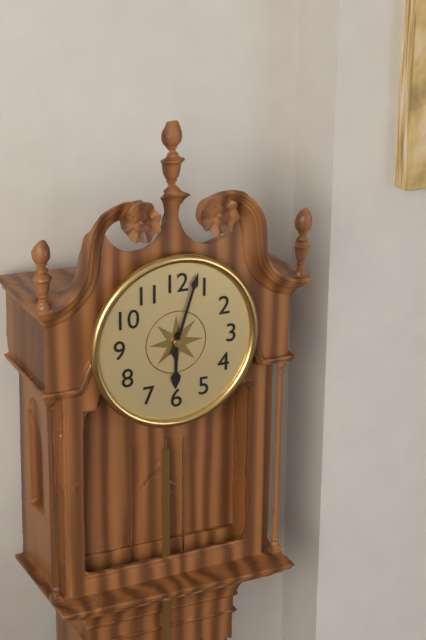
6:03
